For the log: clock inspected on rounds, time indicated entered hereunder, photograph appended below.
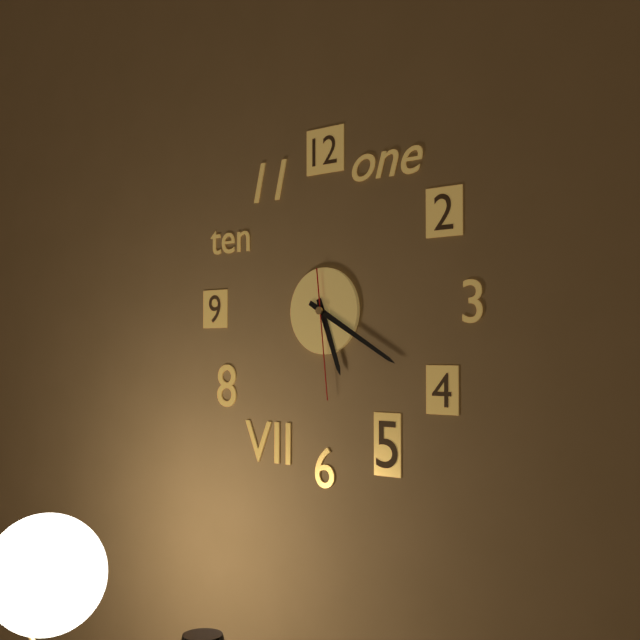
5:20:29
